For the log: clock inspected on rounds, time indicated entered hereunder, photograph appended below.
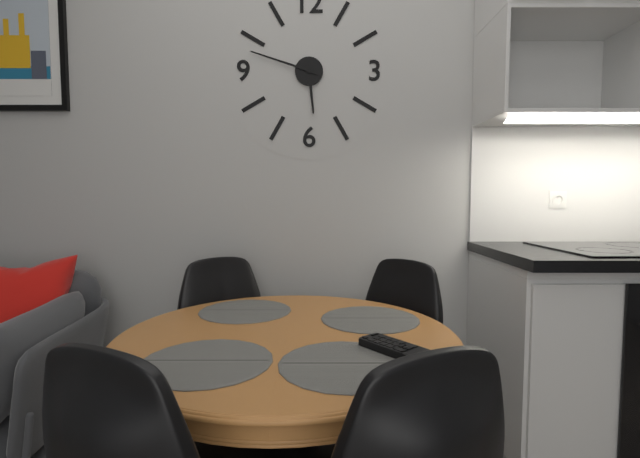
5:48
